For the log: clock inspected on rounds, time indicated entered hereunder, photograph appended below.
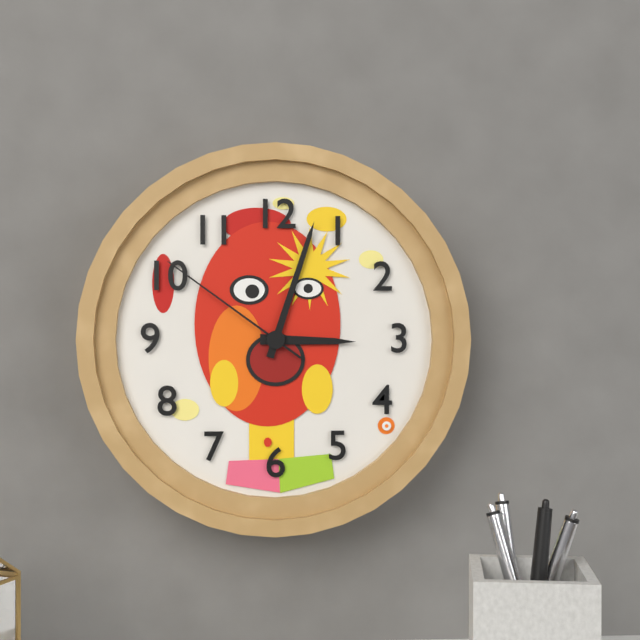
3:03:51
